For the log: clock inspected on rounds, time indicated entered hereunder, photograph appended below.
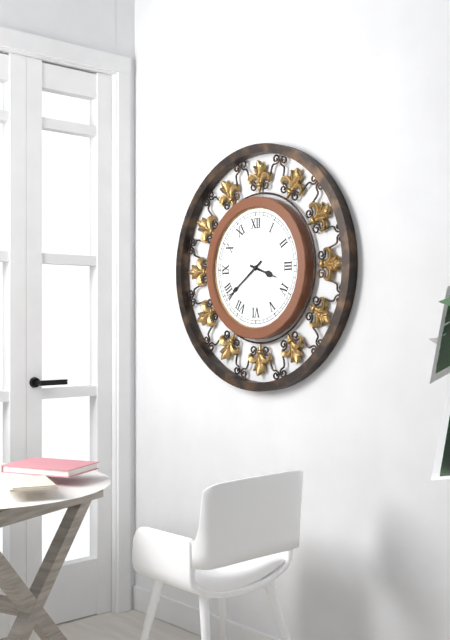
3:39
